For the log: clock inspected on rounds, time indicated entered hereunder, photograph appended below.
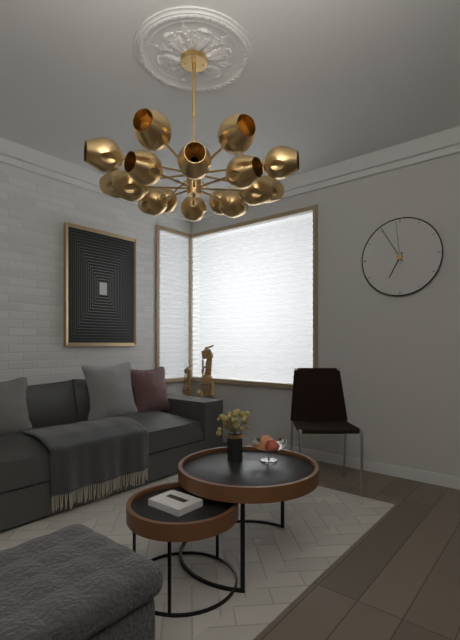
6:55
